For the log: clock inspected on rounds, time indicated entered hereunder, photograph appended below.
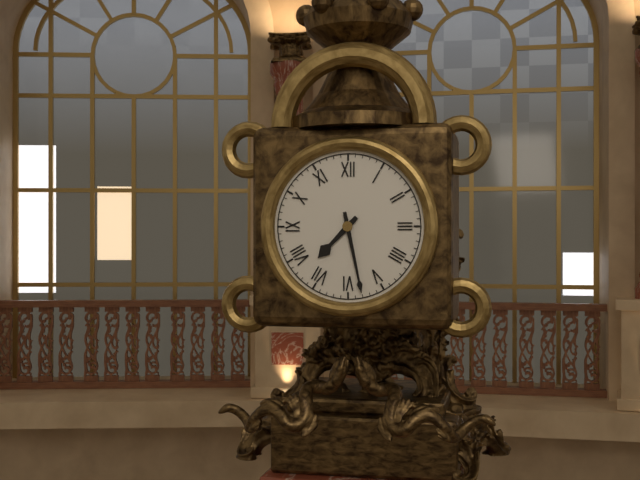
7:28
